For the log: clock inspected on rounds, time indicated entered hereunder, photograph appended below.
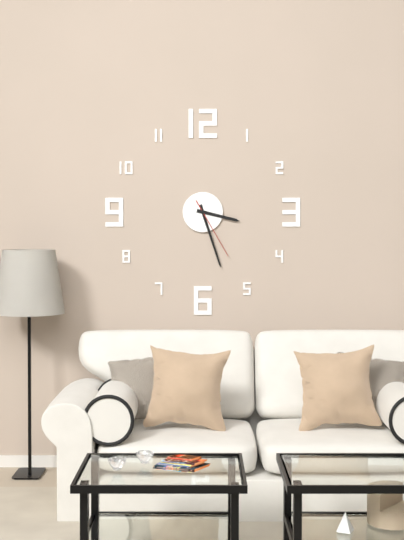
3:27:25
